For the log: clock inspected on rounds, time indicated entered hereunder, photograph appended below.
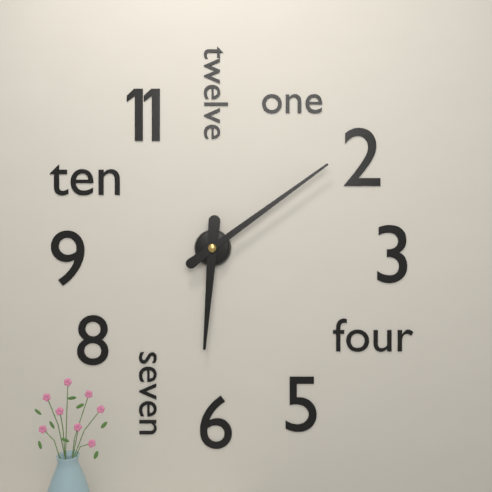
6:09
